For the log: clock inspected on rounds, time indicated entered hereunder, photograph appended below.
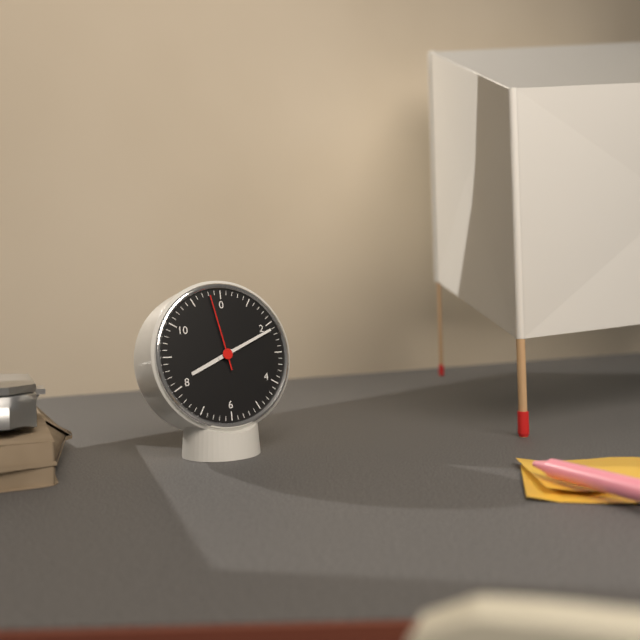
8:11:58
